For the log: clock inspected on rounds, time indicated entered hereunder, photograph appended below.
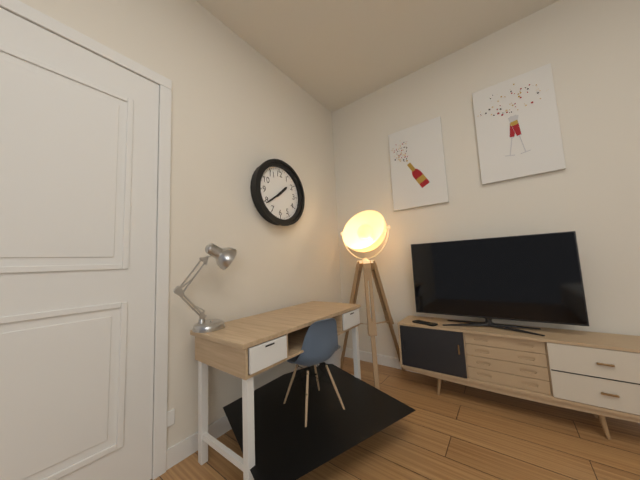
1:39
